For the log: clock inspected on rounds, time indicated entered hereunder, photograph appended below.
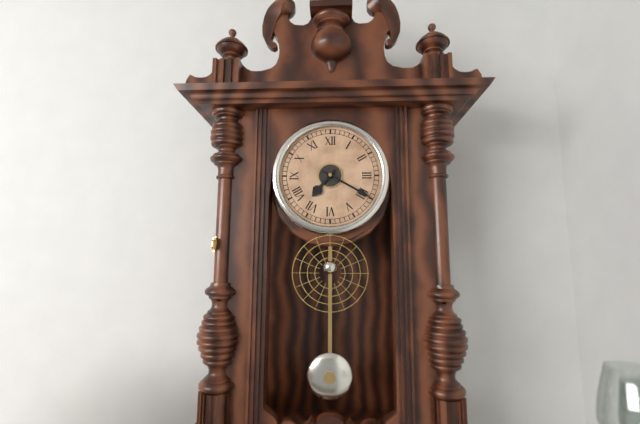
7:20
